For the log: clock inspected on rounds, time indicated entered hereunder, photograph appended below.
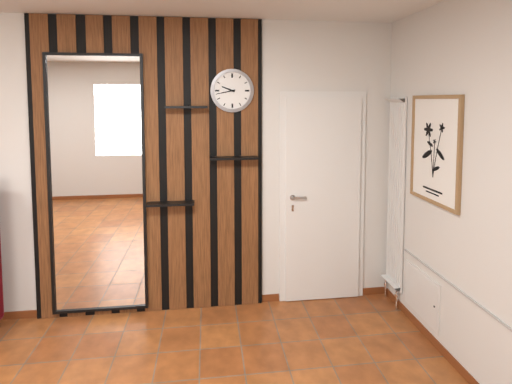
9:43
